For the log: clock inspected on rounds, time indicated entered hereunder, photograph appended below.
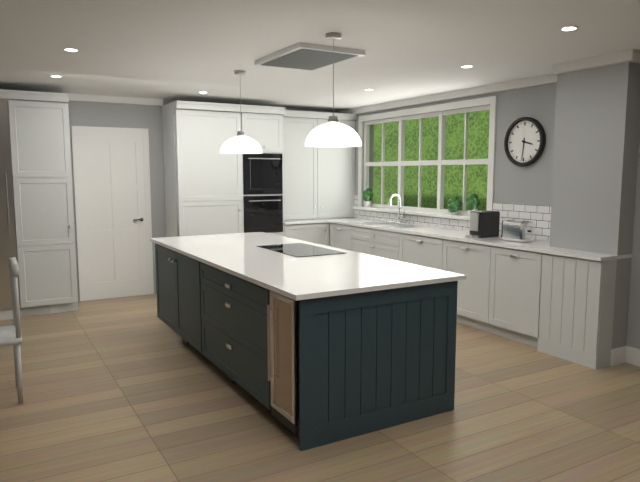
3:31
